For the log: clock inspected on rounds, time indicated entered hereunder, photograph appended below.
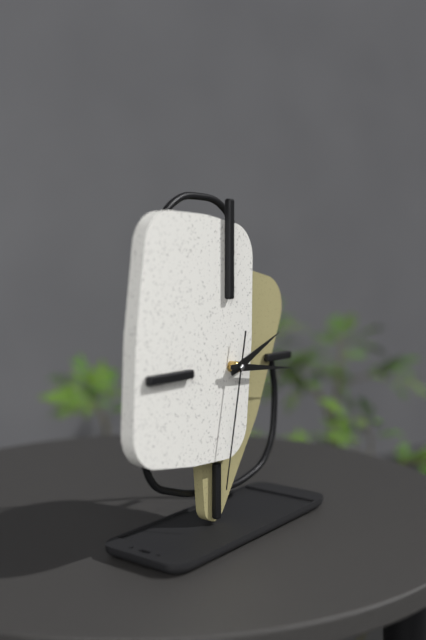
2:16:32
